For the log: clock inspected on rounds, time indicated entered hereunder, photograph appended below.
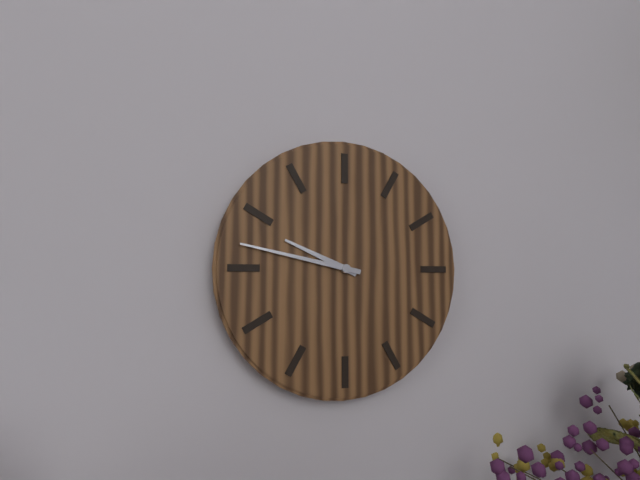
9:47
